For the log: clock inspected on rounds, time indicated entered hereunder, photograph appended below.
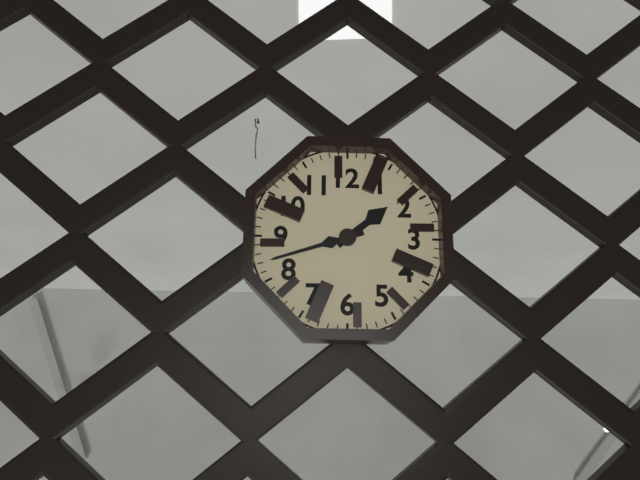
1:42
